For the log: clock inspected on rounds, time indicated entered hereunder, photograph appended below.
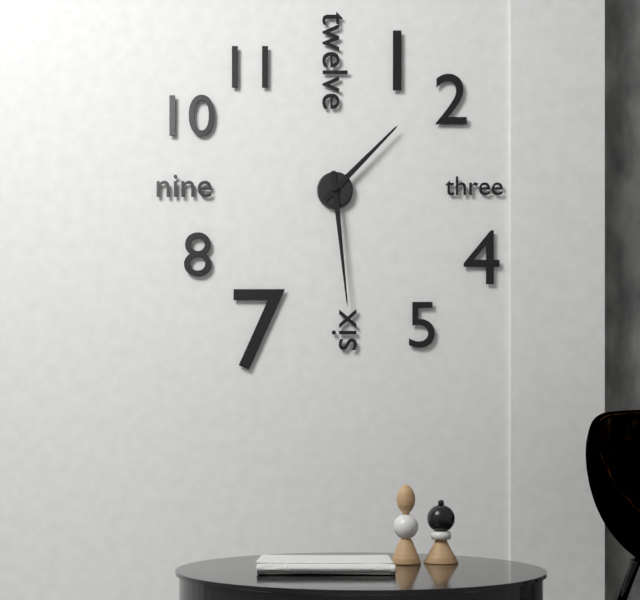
1:29
